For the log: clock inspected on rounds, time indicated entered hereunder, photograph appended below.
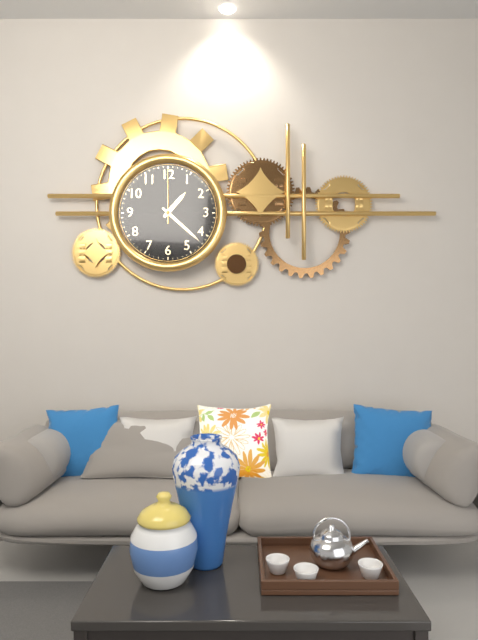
1:22:00
